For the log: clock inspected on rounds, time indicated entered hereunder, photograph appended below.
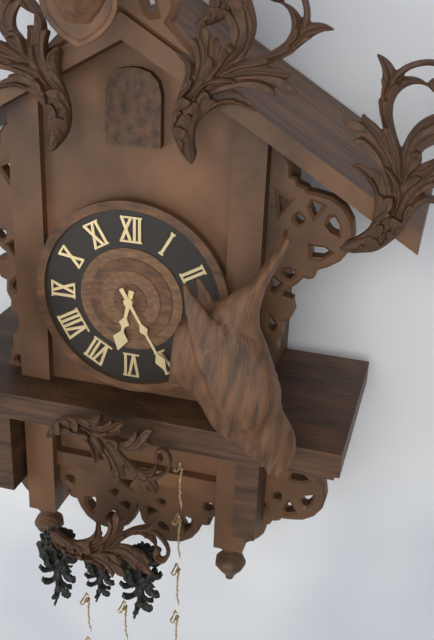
6:25
